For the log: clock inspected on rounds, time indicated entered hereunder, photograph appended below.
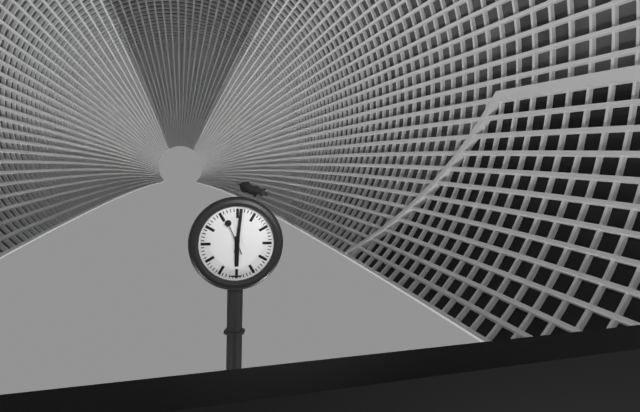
6:01
